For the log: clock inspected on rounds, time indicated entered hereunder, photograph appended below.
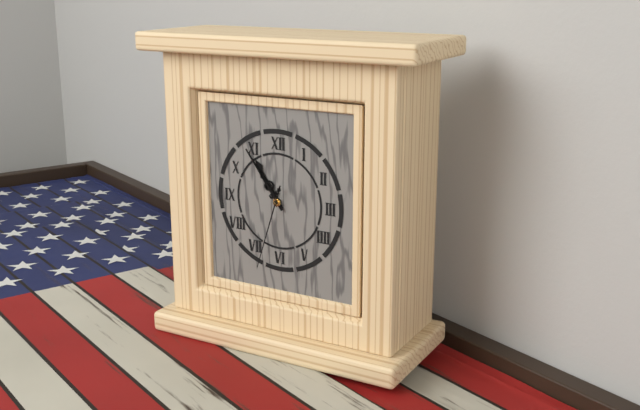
10:54:33
